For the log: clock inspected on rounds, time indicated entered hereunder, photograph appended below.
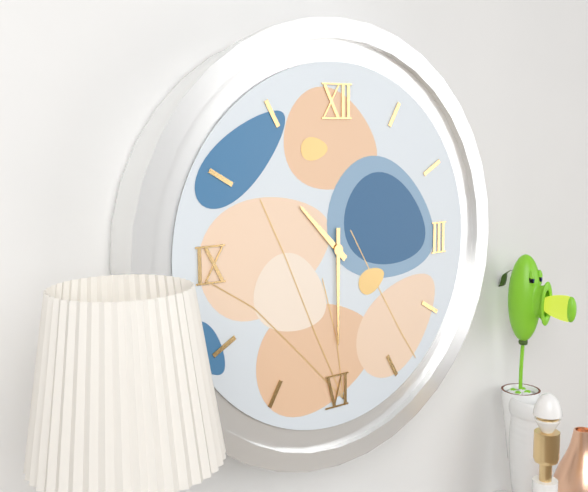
10:30
